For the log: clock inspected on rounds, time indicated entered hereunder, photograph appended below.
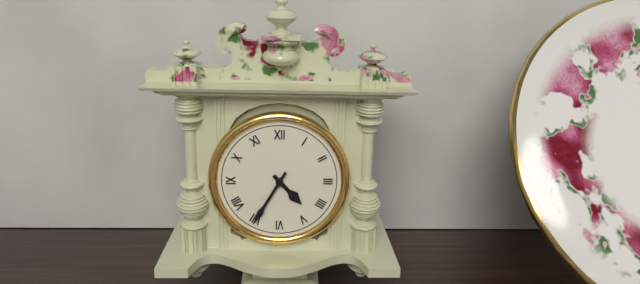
4:35
